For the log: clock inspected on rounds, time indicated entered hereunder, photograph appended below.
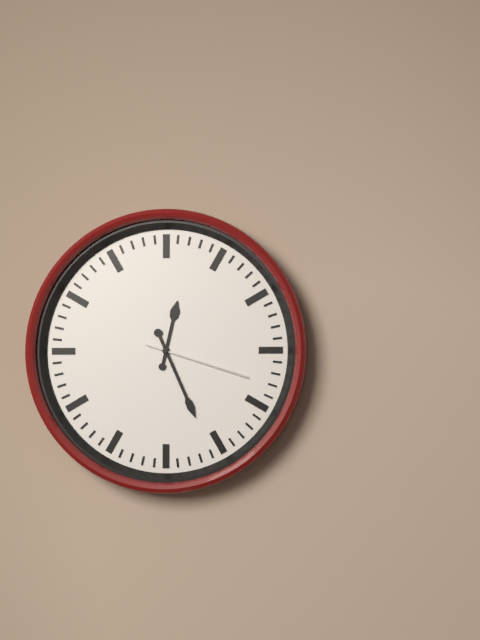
12:26:18
